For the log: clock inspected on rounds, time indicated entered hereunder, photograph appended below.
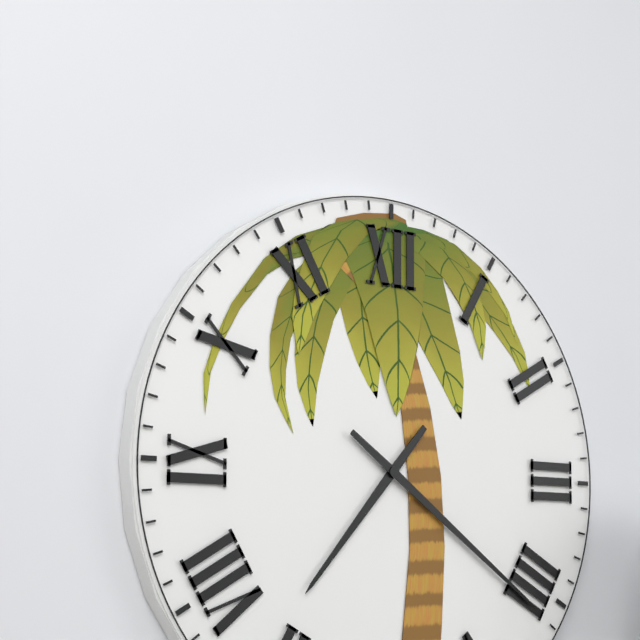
7:21
